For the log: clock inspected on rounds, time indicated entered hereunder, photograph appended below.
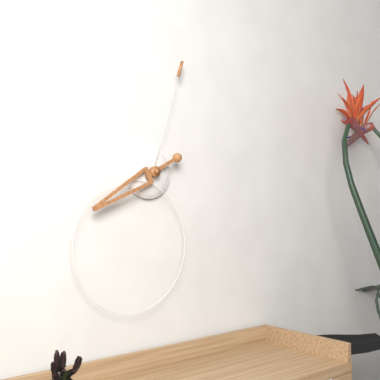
8:03
